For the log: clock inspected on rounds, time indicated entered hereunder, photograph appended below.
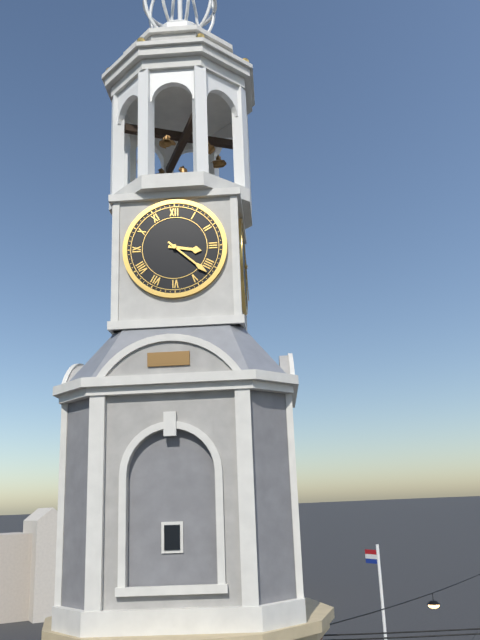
3:22
